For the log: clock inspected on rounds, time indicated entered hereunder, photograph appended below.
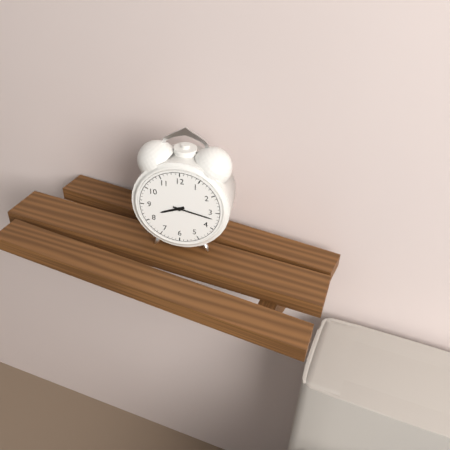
8:17
